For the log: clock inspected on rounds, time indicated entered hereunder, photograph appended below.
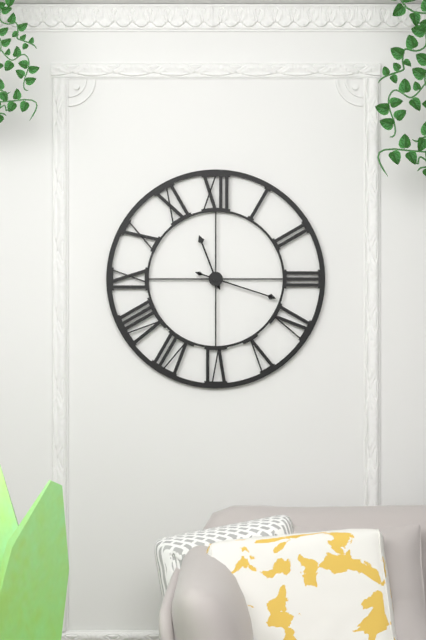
11:18
